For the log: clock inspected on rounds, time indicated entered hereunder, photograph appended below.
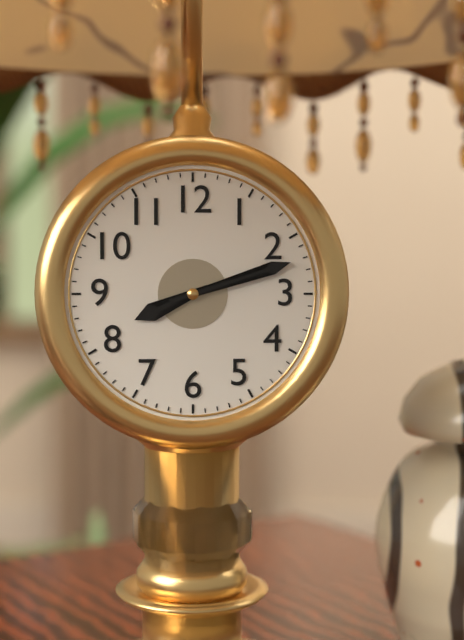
8:12
